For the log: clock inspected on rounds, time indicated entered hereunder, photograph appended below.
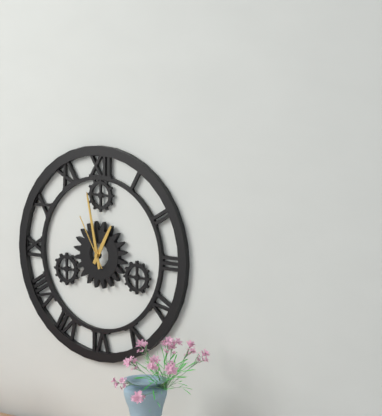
12:58:55
